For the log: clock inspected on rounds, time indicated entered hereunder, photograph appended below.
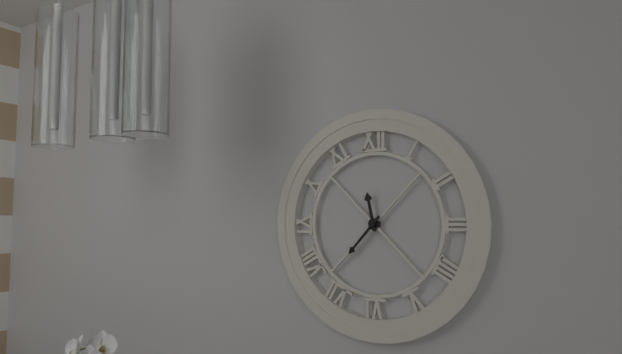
11:37
